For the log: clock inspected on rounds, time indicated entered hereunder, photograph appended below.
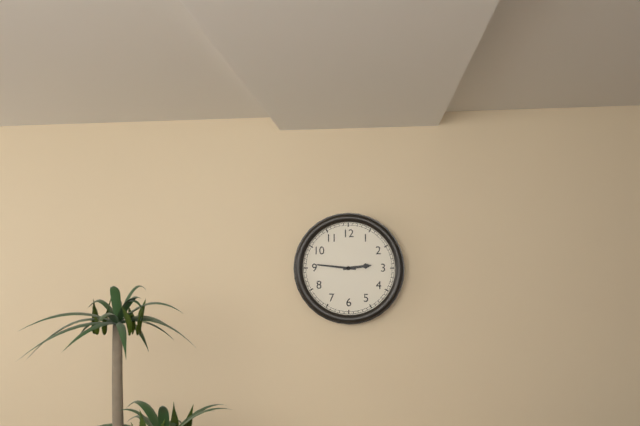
2:46
